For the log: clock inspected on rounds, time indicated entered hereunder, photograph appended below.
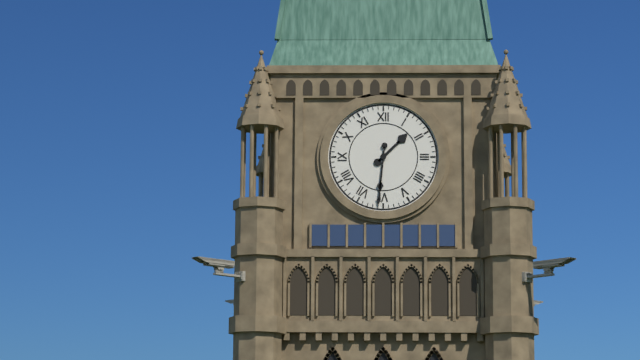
1:31
